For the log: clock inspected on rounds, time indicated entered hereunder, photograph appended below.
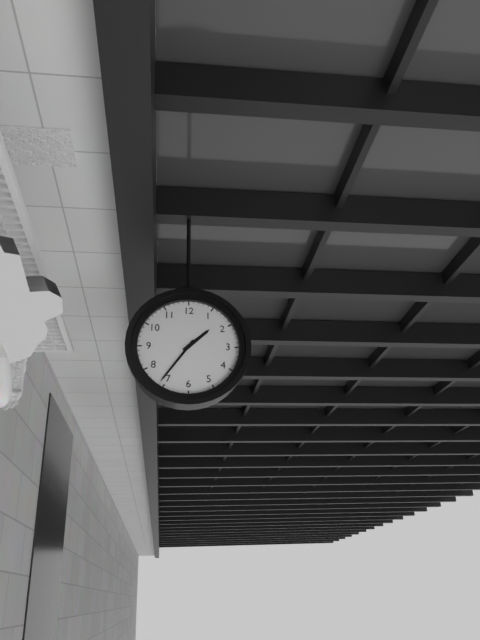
1:36
